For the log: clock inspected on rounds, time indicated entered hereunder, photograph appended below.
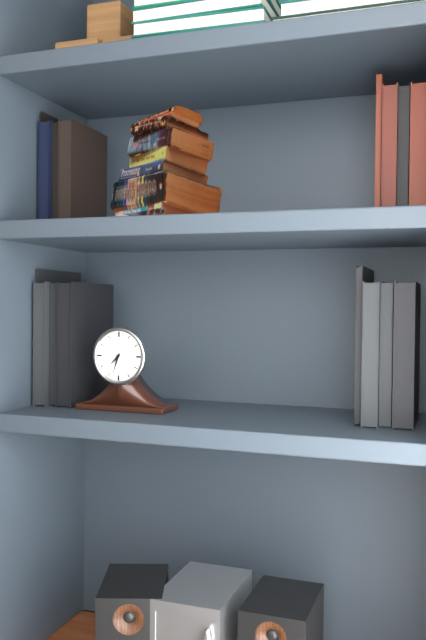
7:33
